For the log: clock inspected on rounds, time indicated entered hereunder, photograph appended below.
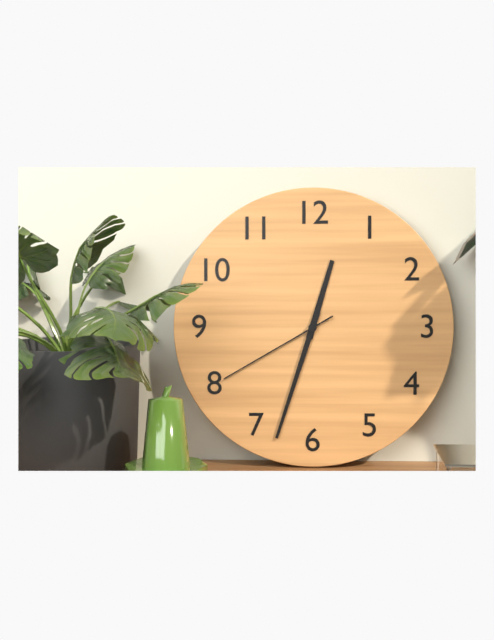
12:33:40
